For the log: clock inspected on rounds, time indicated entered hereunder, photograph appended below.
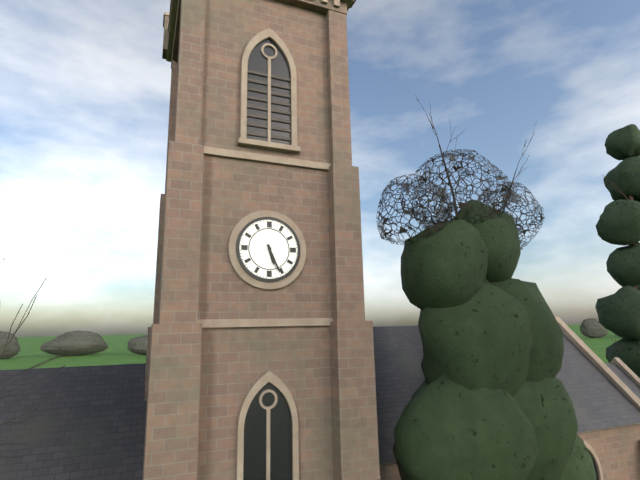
5:26
